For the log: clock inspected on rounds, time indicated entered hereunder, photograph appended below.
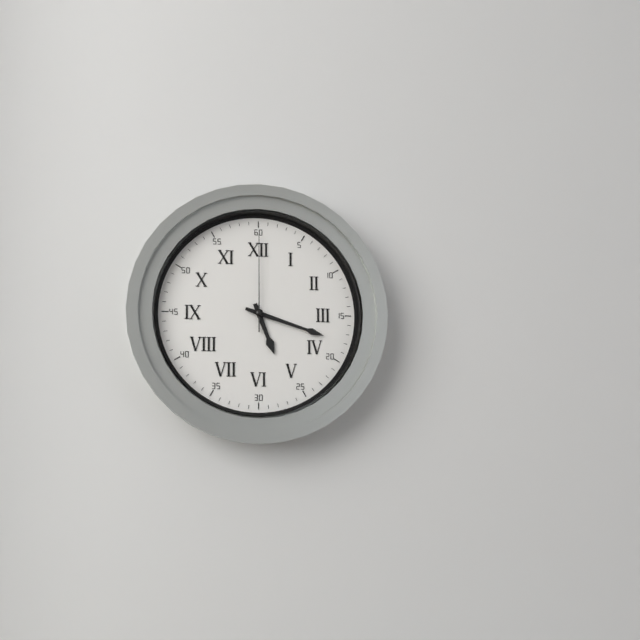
5:18:00
